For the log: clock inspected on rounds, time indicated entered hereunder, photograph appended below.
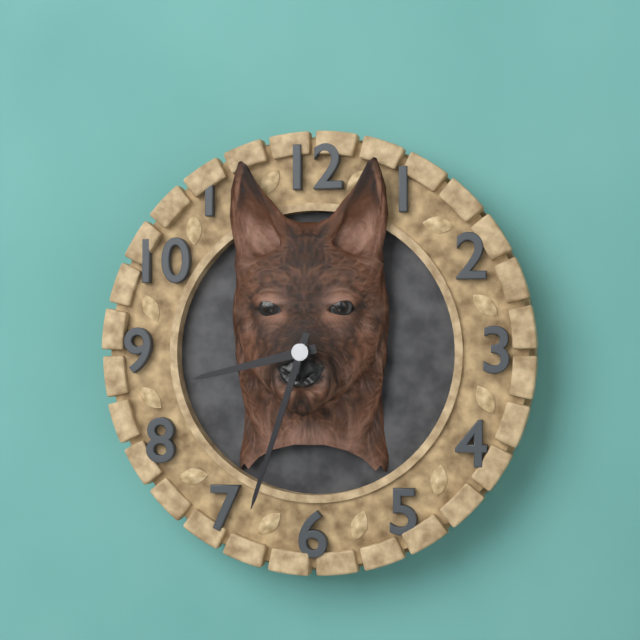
8:33
